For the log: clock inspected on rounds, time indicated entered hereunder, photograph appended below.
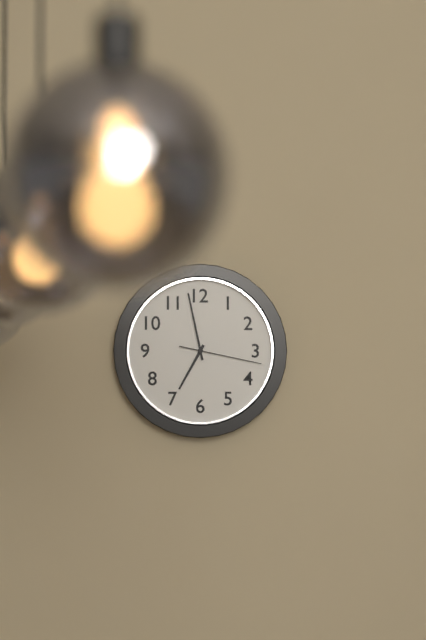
6:58:17
